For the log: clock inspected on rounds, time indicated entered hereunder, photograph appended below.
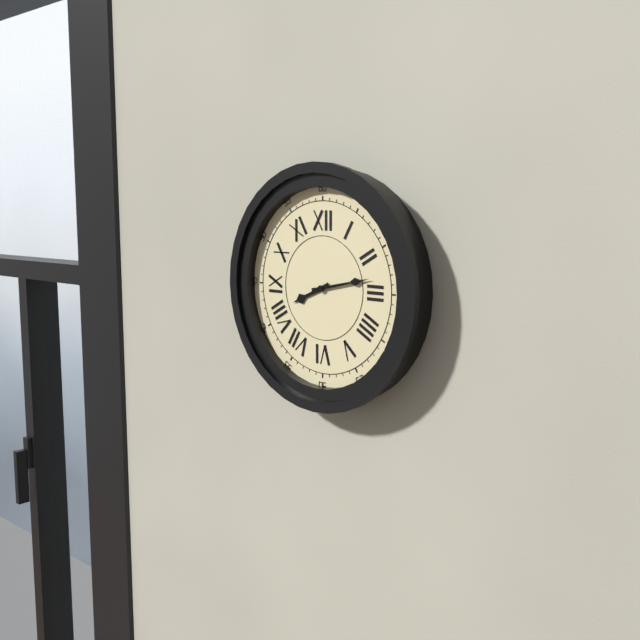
8:13
